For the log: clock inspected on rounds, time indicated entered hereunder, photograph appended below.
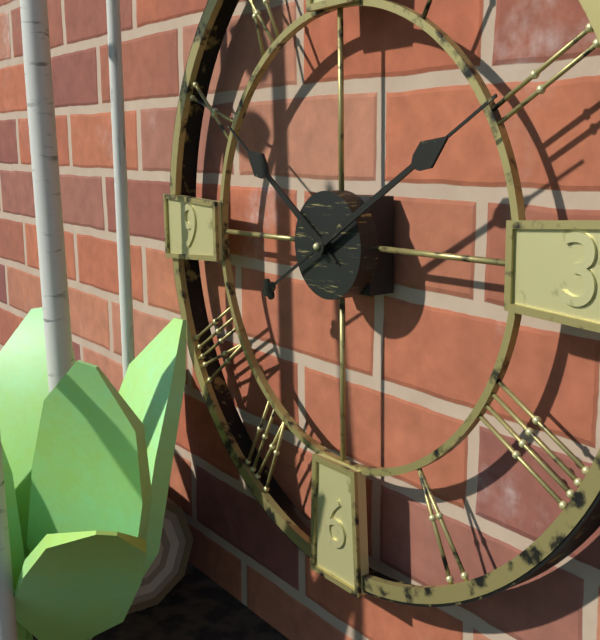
10:10
